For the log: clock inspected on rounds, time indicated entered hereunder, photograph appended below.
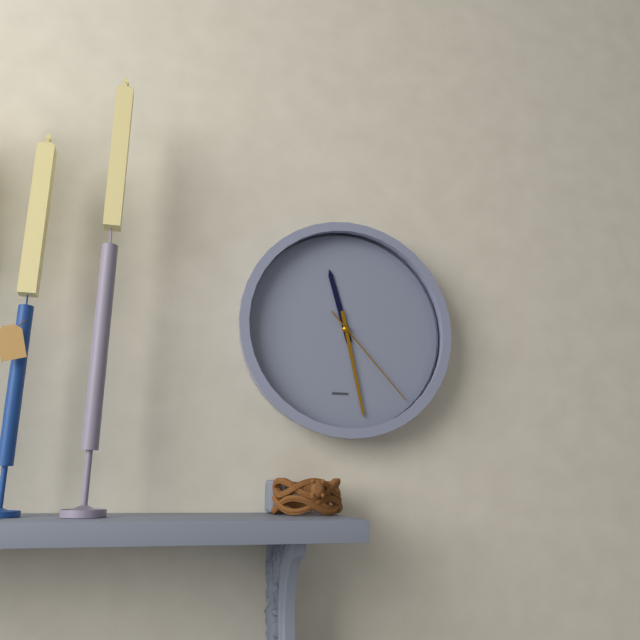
11:28:23
